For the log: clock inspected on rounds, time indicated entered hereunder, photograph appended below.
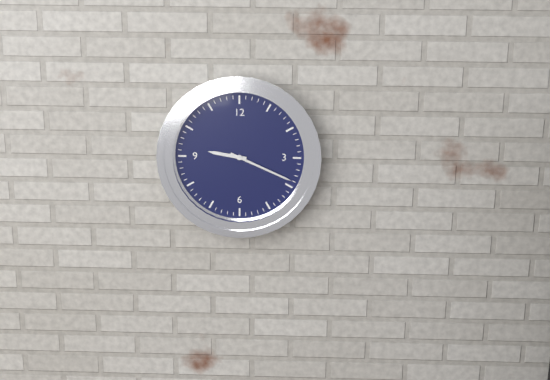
9:19
